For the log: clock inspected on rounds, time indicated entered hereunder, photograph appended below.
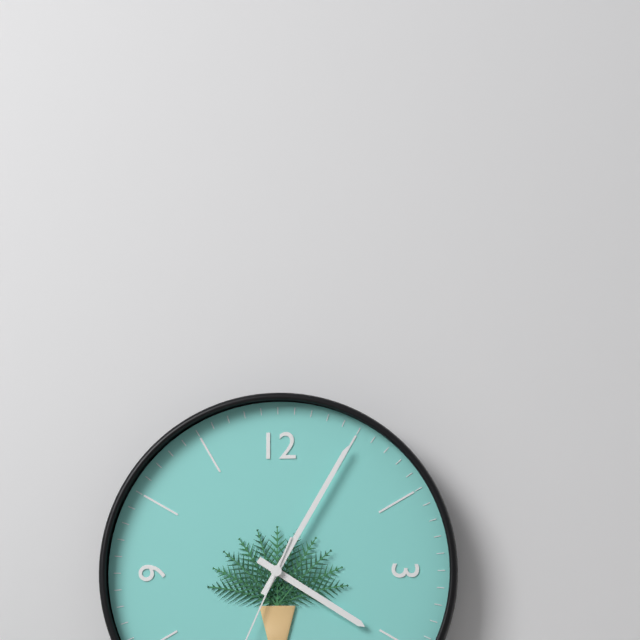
4:05
